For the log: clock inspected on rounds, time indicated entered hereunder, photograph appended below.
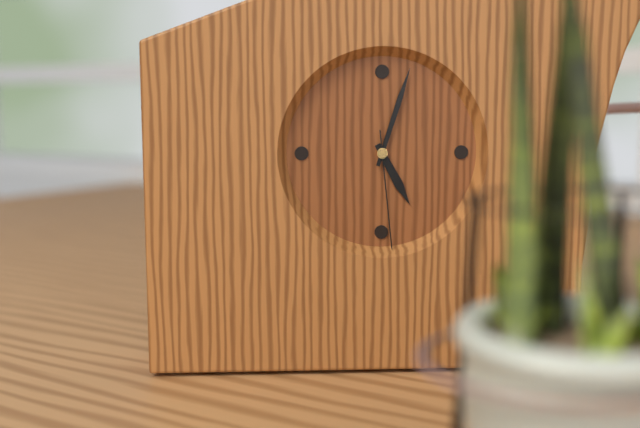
5:03:29
